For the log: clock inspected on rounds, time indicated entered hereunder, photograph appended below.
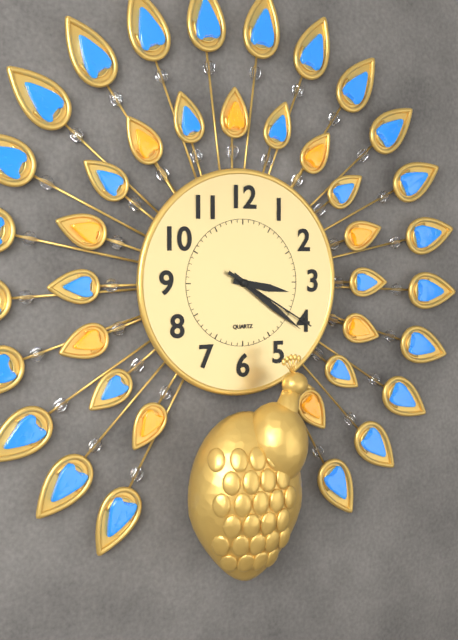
3:21:20
